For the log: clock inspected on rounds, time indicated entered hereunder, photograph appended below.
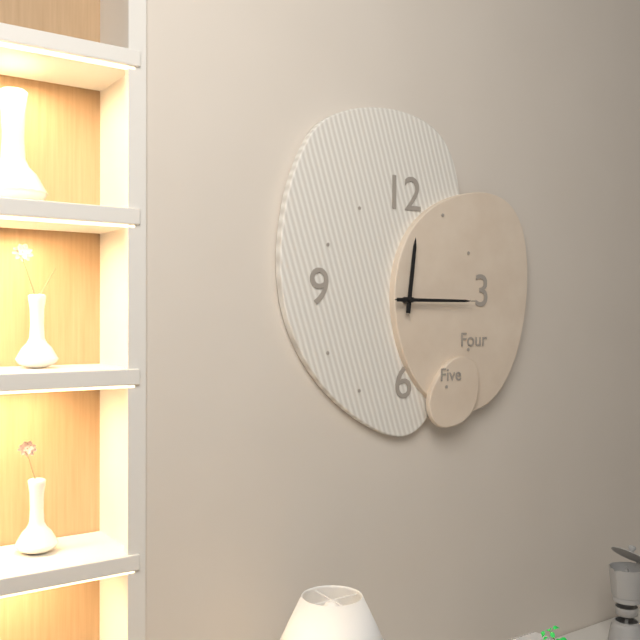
12:15:15
